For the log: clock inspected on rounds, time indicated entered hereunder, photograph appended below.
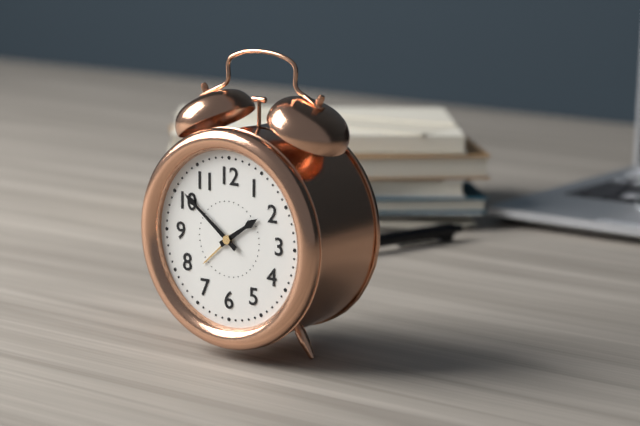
1:51
